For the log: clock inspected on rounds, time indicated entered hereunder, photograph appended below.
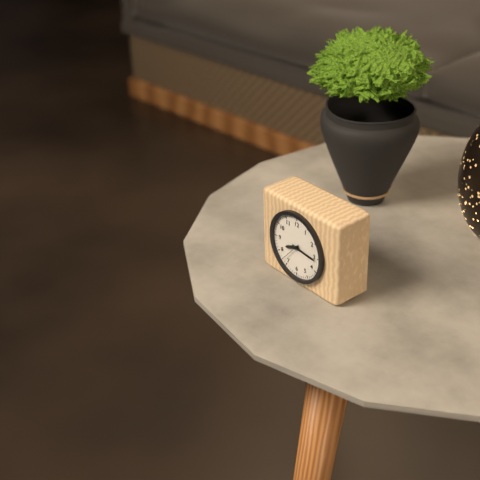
8:16
